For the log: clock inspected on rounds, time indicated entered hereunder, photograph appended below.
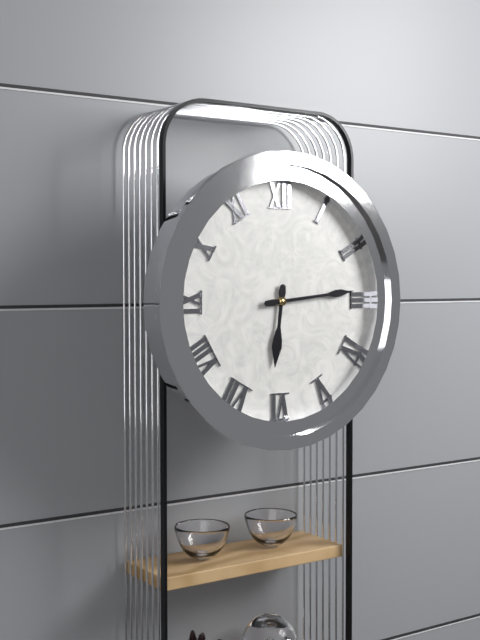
6:14
